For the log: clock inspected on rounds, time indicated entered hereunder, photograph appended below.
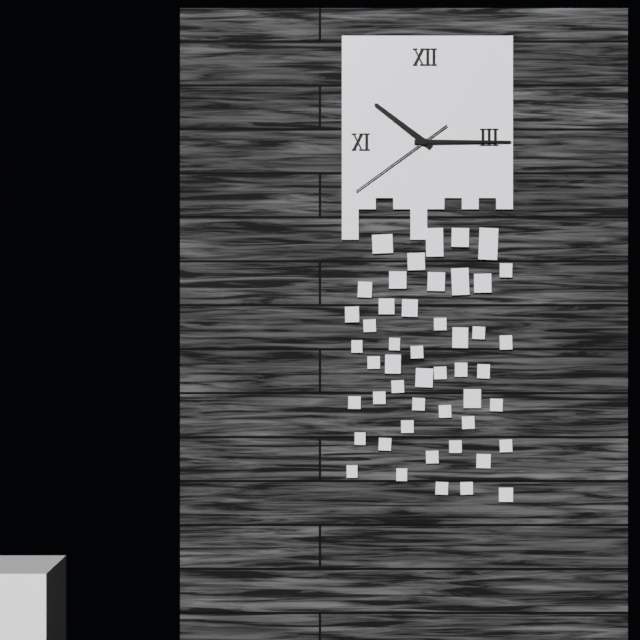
10:15:39
